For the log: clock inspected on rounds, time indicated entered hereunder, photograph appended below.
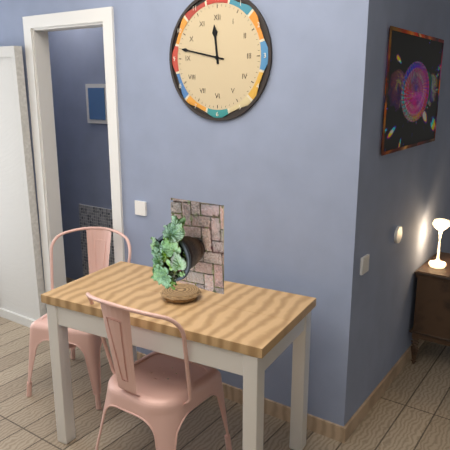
11:47
